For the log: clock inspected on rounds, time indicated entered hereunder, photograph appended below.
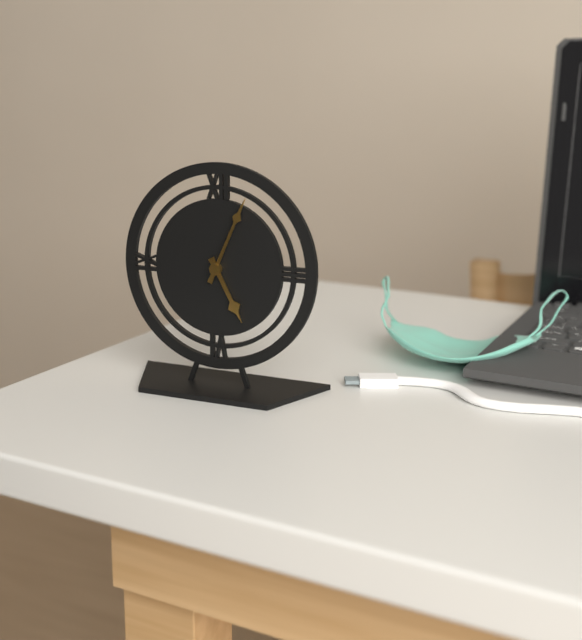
5:04
